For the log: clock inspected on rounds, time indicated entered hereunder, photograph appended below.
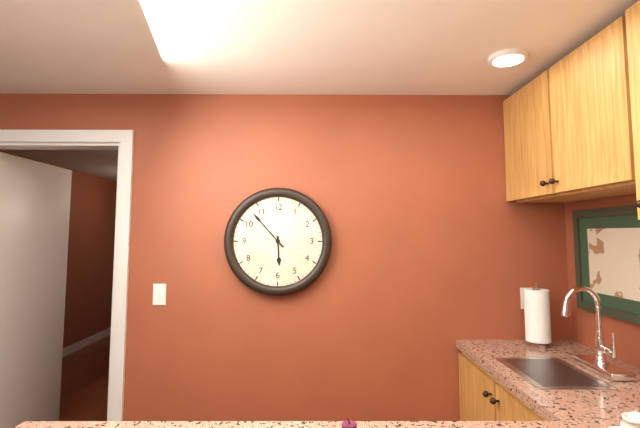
5:53
